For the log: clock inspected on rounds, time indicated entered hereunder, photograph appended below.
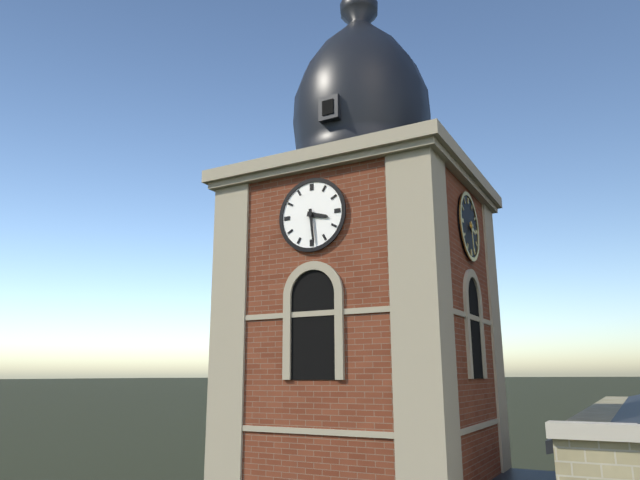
3:29
